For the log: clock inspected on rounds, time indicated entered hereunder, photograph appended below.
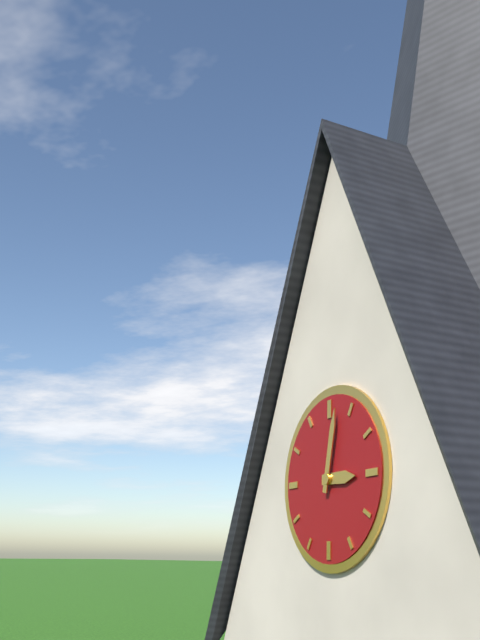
3:02
